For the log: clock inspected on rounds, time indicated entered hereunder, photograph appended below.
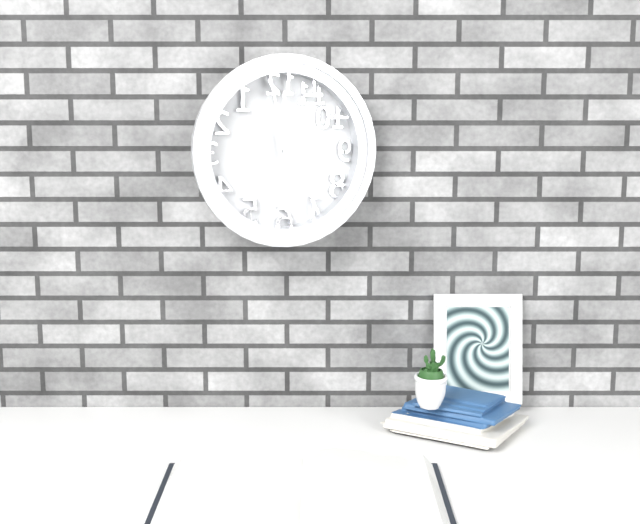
11:58
